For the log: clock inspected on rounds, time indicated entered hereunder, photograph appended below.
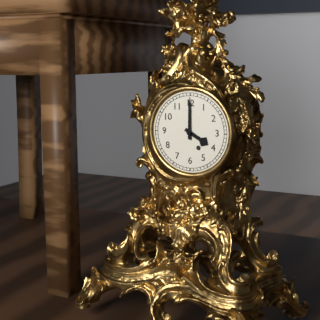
4:00
